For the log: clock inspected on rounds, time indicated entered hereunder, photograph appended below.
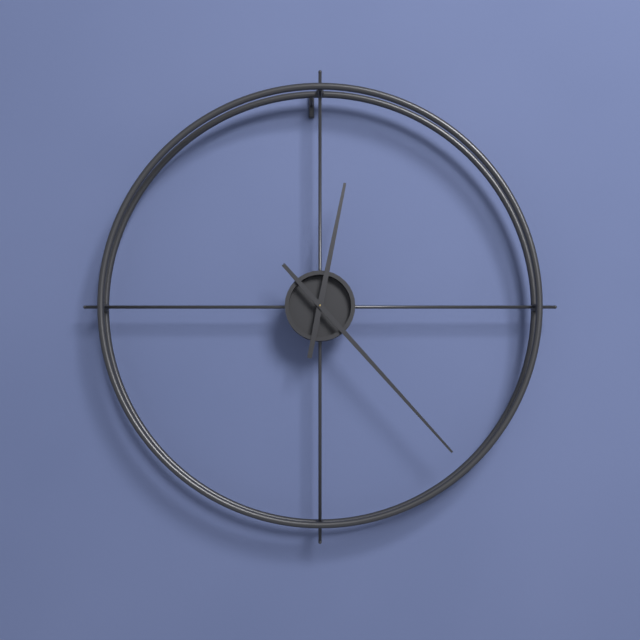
12:23
